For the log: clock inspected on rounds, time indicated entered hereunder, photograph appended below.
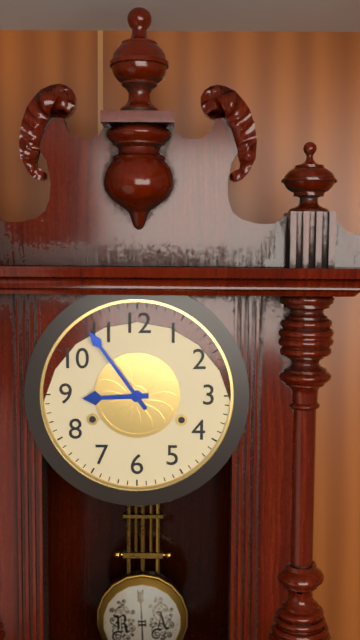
8:54
